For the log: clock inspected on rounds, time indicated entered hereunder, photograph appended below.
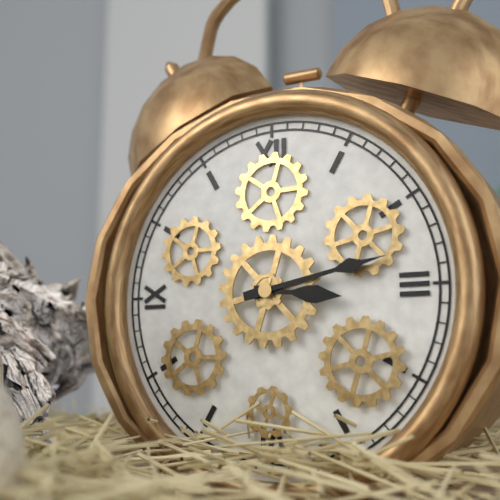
3:13
